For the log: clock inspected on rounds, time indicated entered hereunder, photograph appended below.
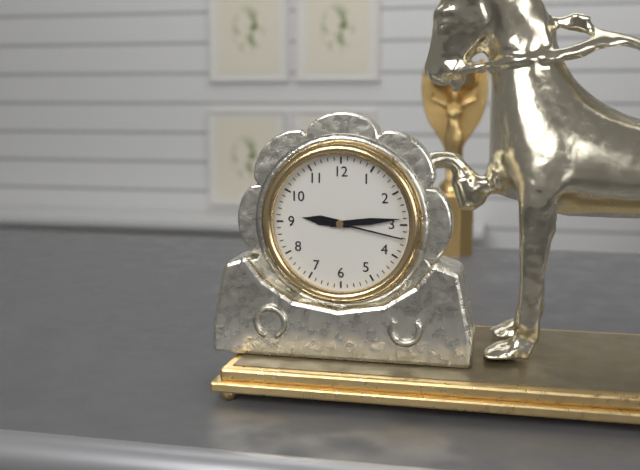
9:14:17
